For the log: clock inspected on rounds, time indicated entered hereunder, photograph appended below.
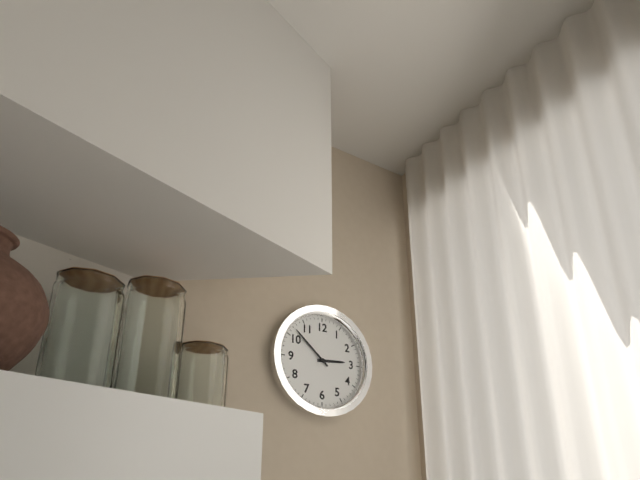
2:52
